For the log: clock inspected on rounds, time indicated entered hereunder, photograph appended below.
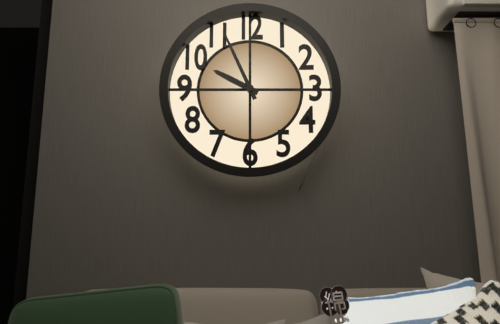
9:56
